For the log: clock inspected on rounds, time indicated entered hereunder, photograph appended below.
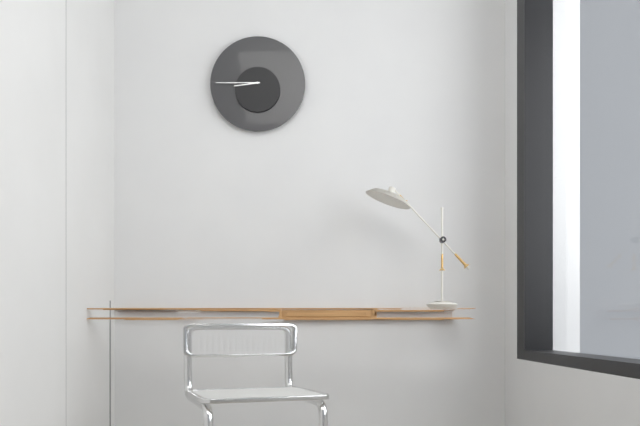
8:45
